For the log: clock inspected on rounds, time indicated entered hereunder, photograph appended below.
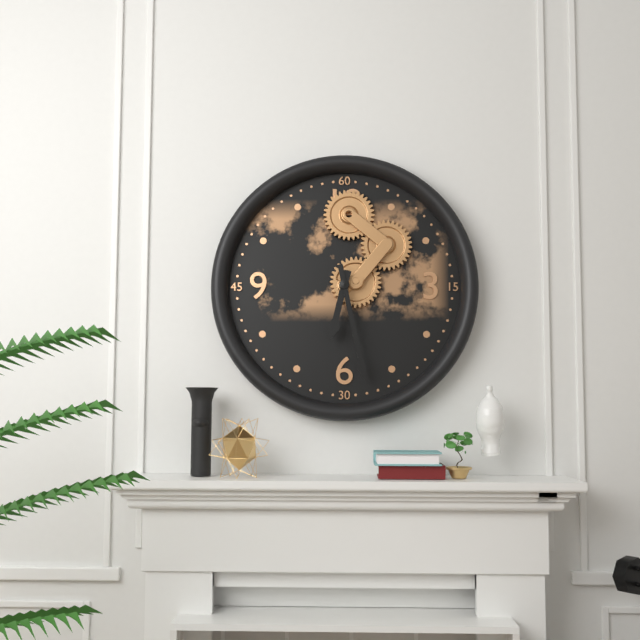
6:28
